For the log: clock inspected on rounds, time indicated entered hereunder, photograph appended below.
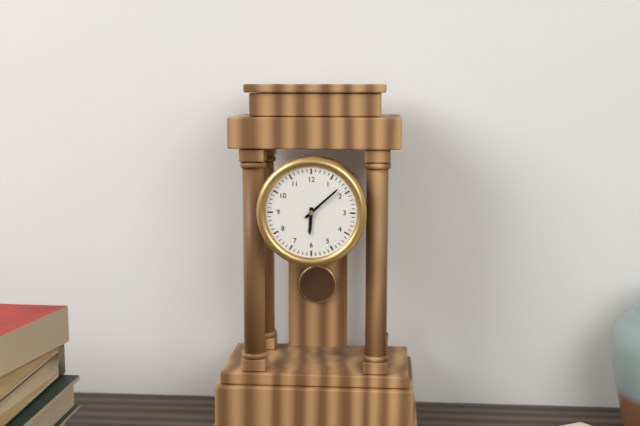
6:08
